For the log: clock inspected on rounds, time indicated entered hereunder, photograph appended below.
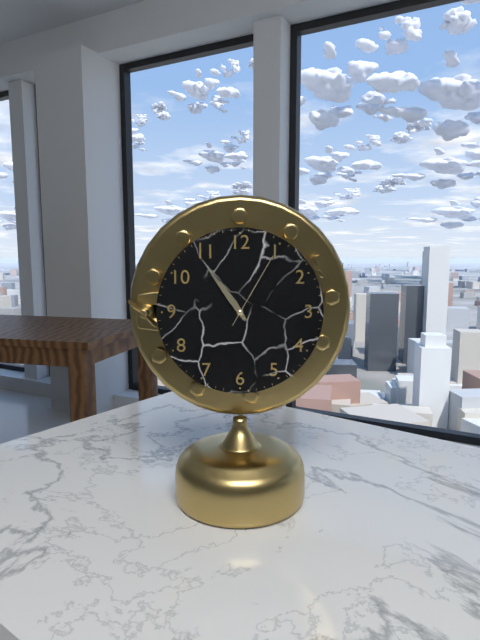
10:54:05
